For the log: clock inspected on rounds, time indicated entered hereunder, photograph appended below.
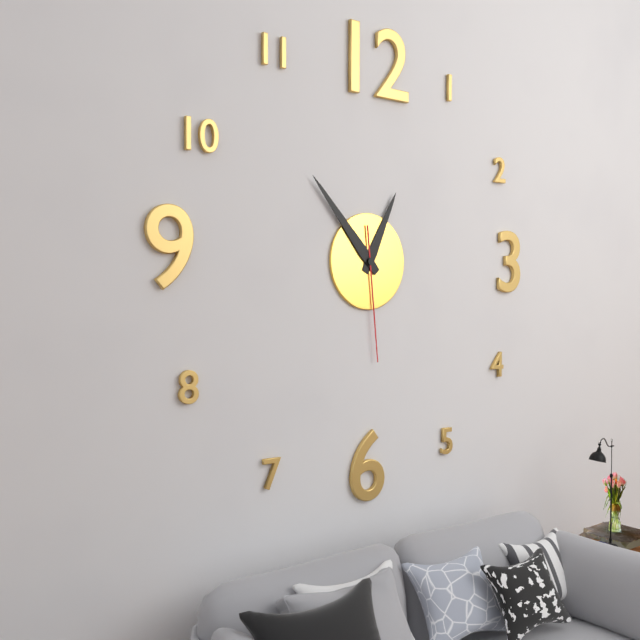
12:53:29
